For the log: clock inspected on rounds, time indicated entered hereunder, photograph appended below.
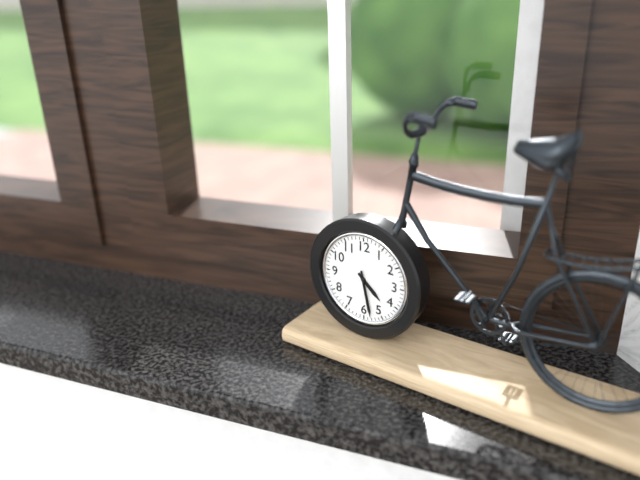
4:28
